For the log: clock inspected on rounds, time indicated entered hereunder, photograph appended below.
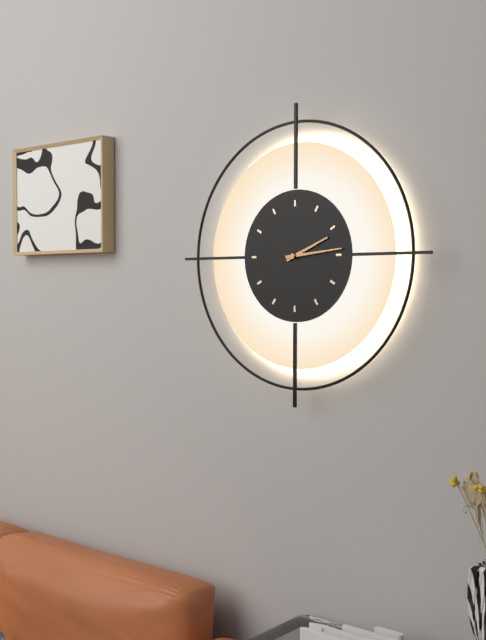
2:14
